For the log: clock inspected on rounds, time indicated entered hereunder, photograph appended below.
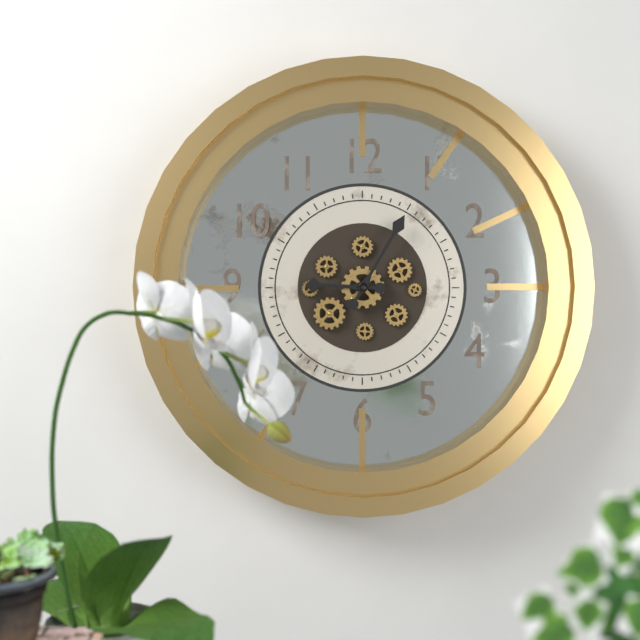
9:05
